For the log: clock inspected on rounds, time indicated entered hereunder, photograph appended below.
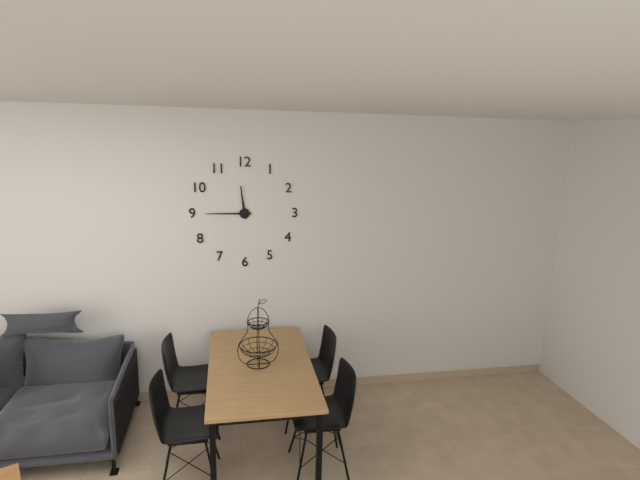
11:45
